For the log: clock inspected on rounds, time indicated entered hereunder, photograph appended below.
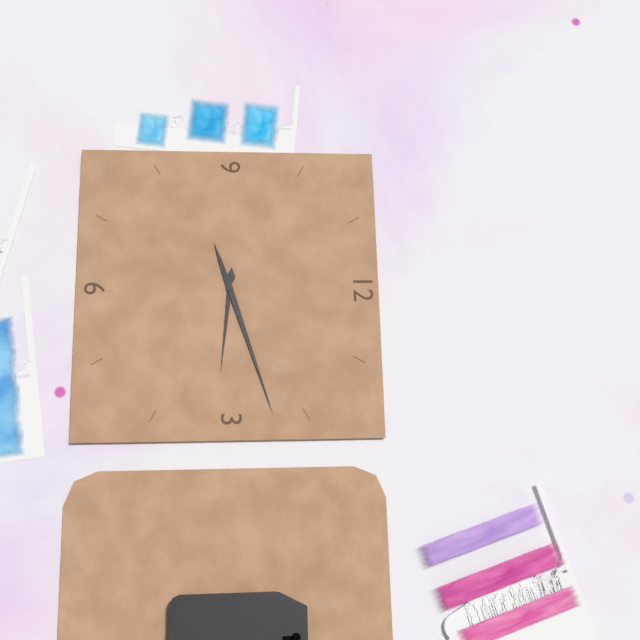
3:12
